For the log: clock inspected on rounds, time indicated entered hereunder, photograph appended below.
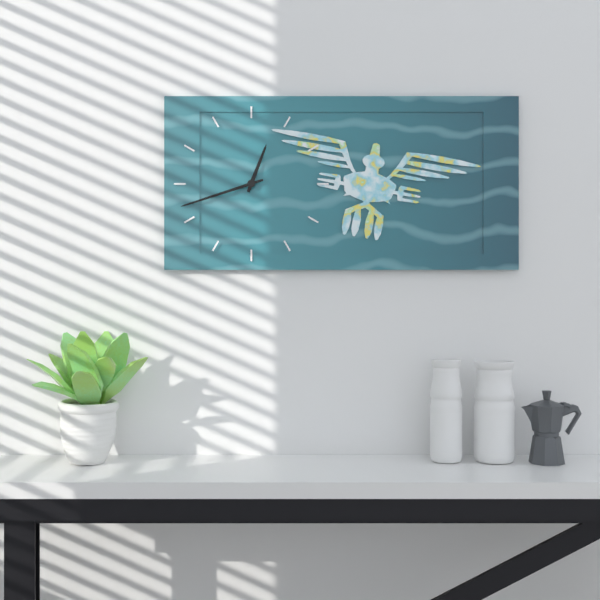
12:42
